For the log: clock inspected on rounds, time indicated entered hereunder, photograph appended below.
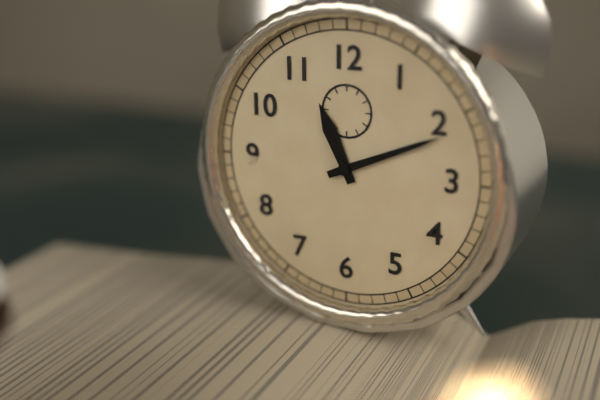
11:11
